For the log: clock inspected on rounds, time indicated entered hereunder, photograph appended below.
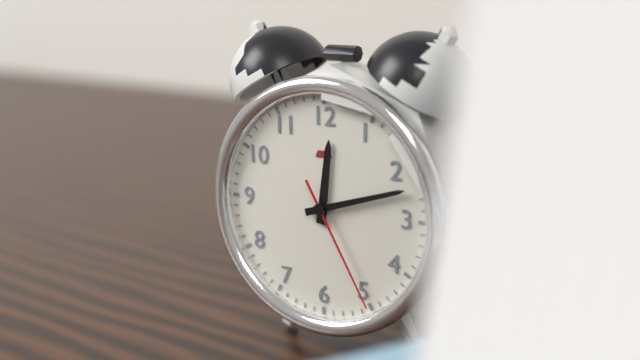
12:12:25
